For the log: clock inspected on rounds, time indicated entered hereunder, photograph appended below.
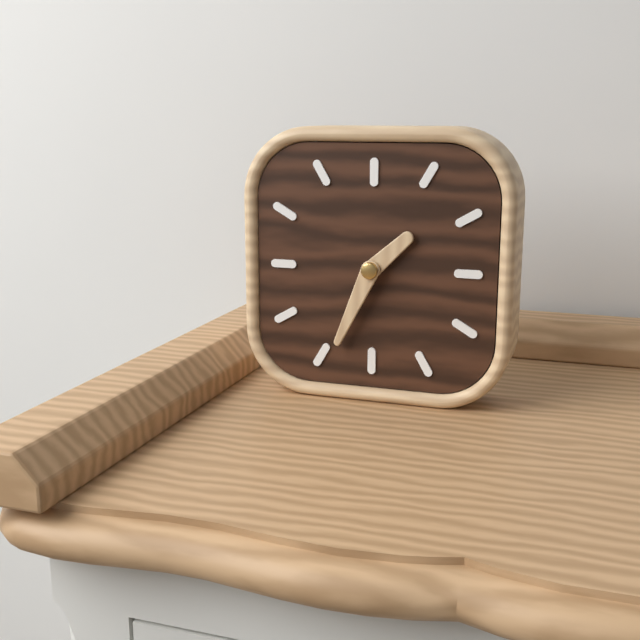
1:34
